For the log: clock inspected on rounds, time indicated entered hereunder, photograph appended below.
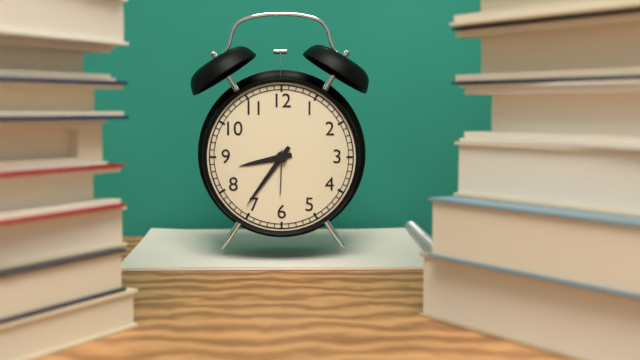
8:36
